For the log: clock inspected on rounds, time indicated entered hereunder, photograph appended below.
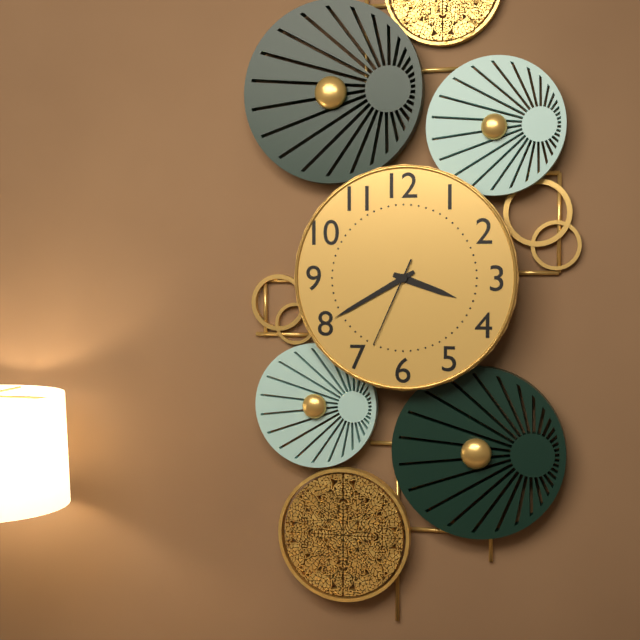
3:40:34
